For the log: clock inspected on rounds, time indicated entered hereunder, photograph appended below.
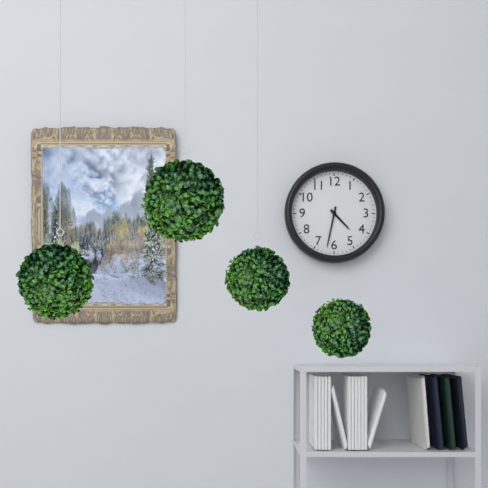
4:32
